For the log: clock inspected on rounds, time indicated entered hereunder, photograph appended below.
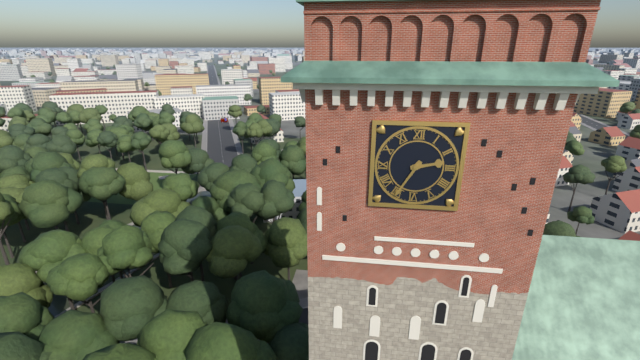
2:35
